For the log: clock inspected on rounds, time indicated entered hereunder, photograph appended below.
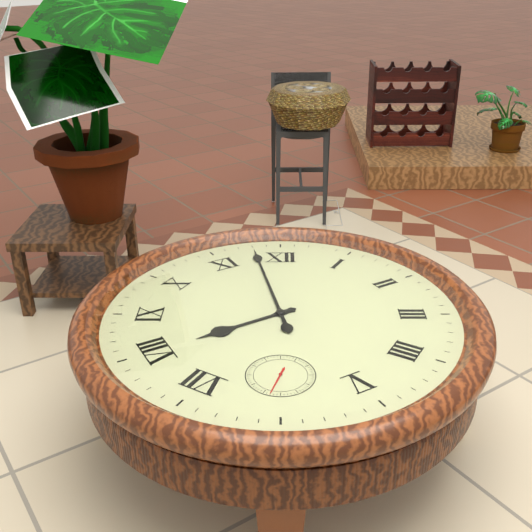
7:58
